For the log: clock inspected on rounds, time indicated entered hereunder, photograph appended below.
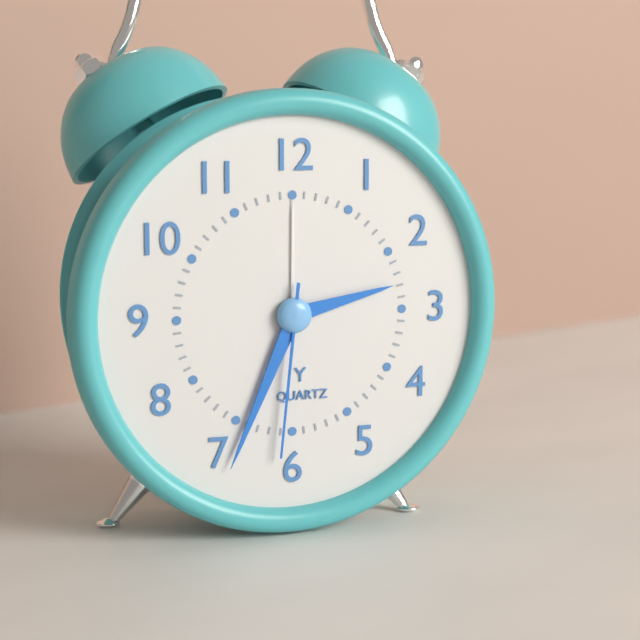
2:34:31
